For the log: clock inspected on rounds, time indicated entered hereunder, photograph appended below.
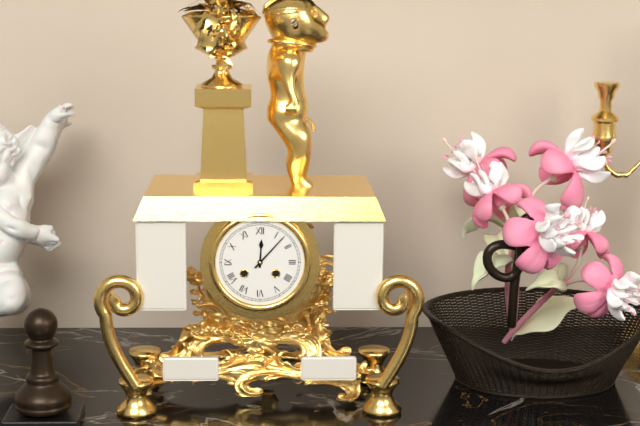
12:07
